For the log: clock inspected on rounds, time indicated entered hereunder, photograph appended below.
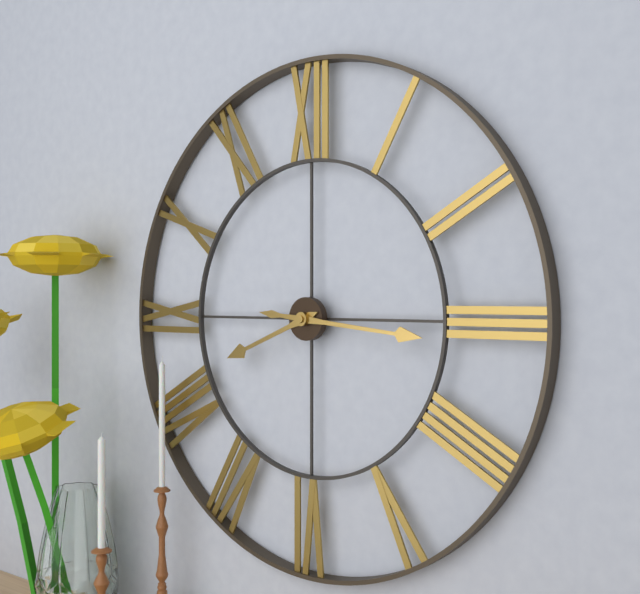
8:16
